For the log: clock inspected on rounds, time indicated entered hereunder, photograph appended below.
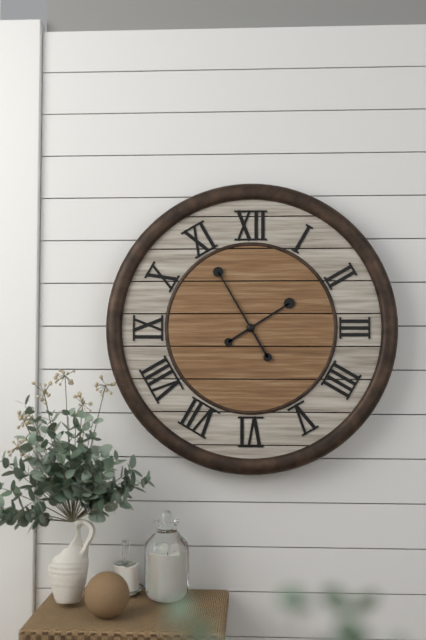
1:55
